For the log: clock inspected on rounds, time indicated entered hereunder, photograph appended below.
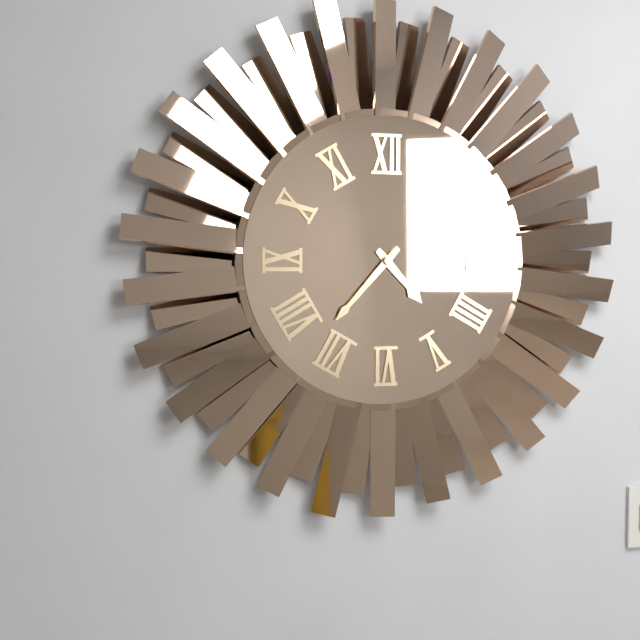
4:37
